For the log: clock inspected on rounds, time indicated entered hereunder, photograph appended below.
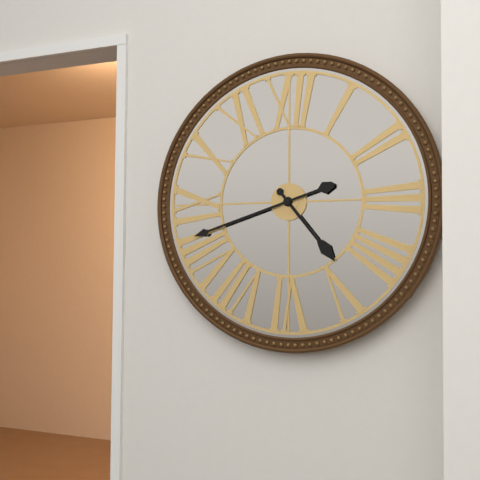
4:42
